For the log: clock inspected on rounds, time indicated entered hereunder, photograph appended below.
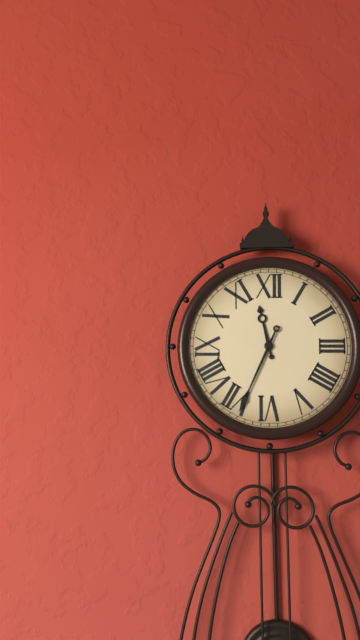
11:34
